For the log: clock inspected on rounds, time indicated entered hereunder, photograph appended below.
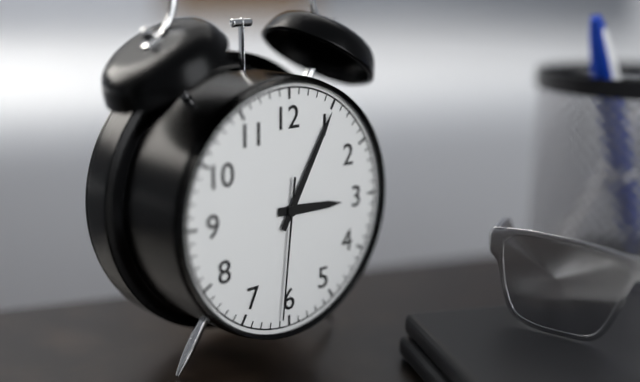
3:05:31
